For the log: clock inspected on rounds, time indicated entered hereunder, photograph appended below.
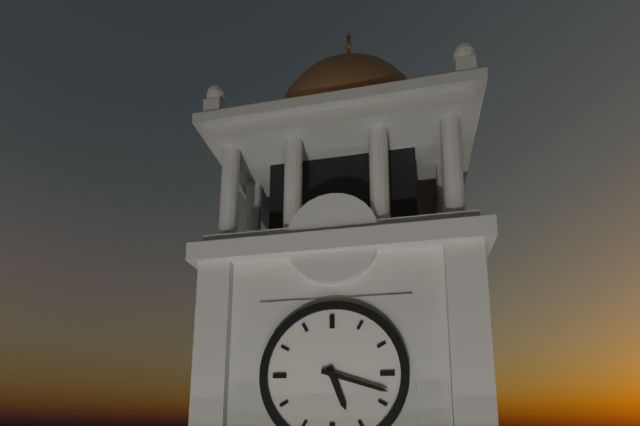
5:18
